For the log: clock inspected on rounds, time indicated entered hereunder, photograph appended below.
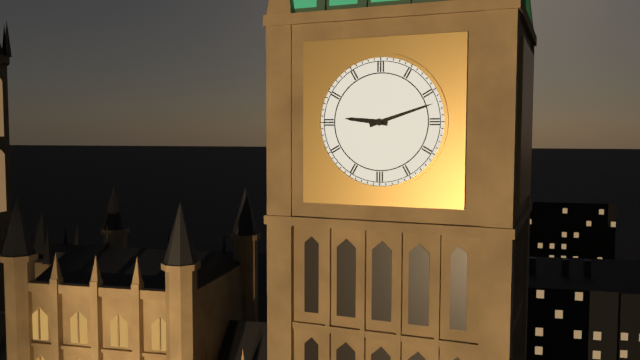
9:12
